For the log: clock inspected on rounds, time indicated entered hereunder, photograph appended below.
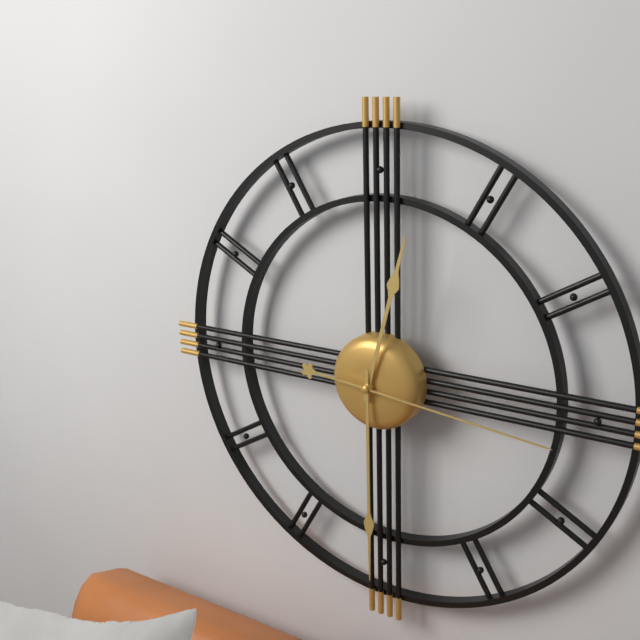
12:30:16
